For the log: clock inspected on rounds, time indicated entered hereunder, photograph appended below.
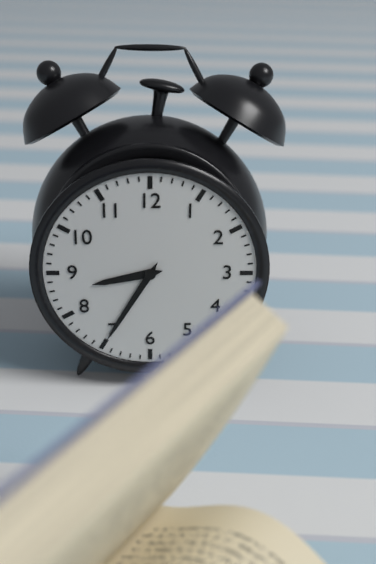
8:35
